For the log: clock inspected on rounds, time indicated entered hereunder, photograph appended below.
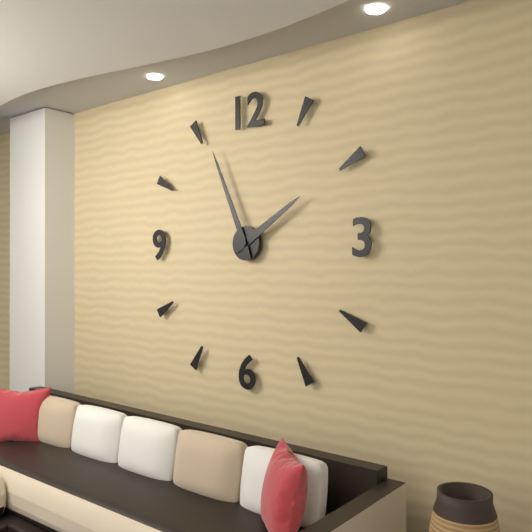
1:56
